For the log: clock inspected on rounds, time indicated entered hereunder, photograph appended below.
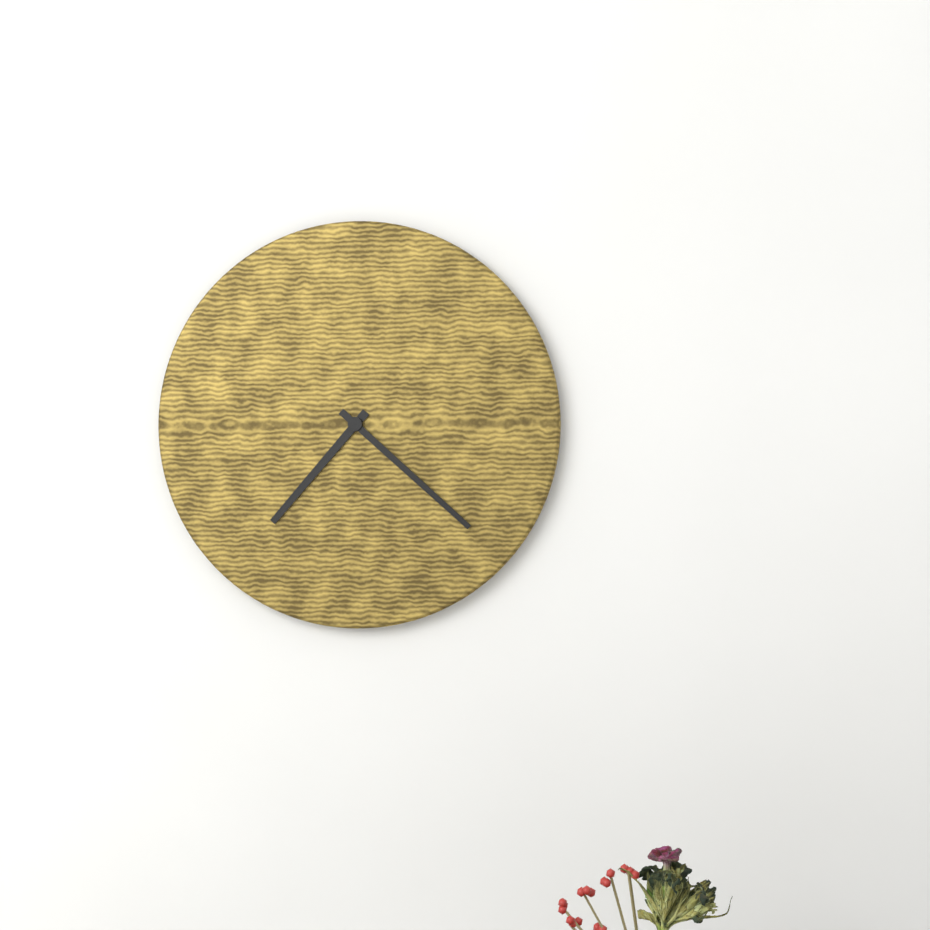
7:22
